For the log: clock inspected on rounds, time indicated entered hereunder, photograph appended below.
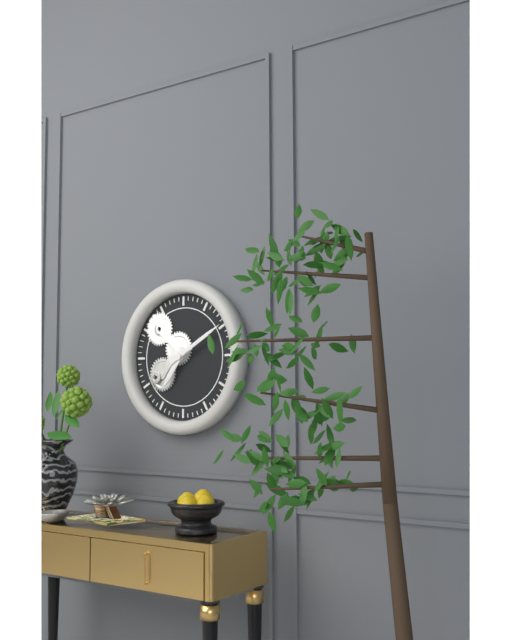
7:10
